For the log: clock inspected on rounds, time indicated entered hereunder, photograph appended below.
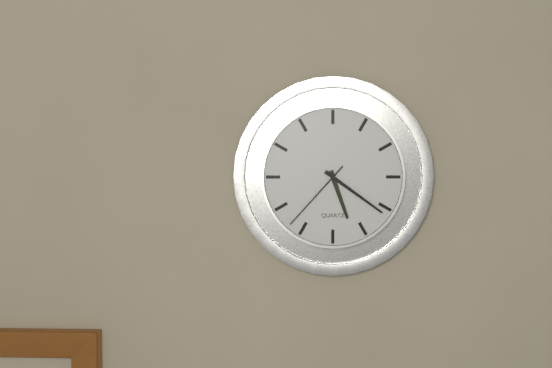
5:21:37
